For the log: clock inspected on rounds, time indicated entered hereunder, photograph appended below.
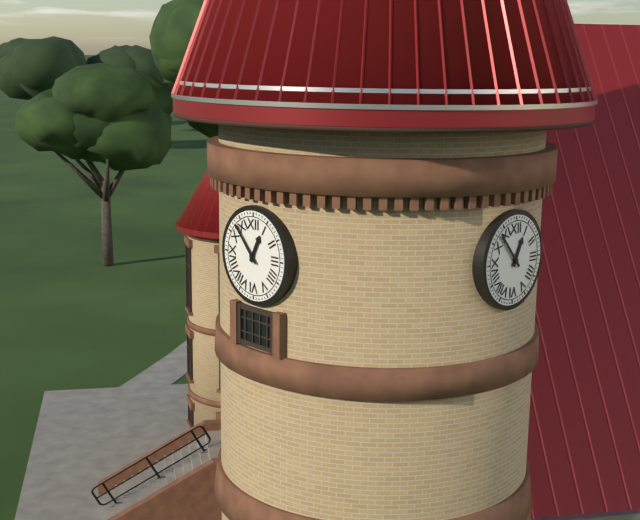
12:53
